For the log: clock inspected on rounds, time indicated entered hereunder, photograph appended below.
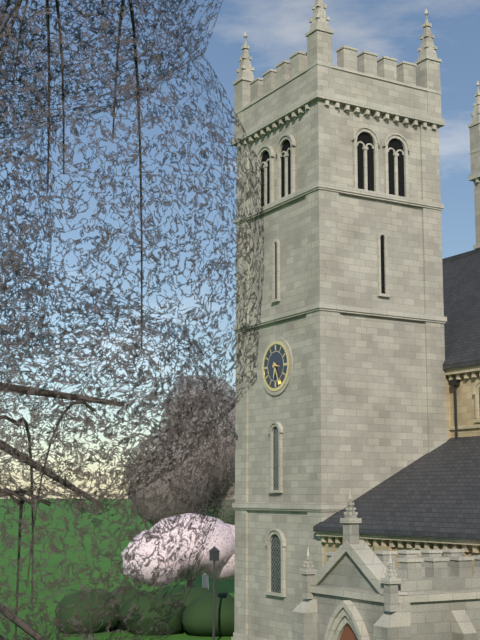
6:26
